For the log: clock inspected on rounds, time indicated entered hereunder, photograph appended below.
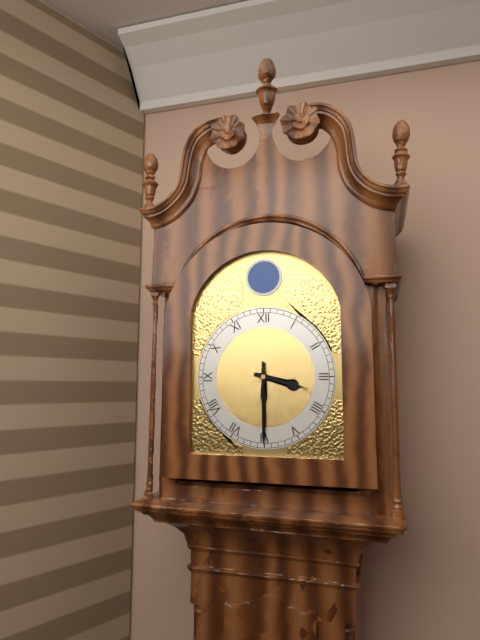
3:30
